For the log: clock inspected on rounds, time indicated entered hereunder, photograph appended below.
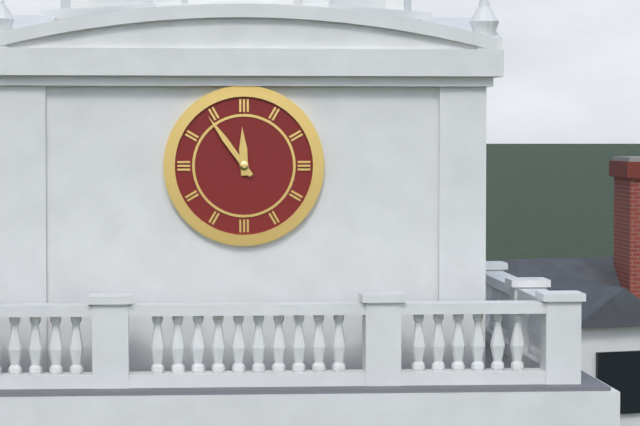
11:54
